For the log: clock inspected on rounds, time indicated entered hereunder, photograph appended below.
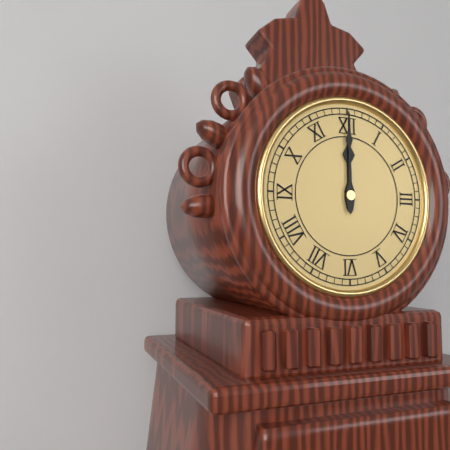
12:00
